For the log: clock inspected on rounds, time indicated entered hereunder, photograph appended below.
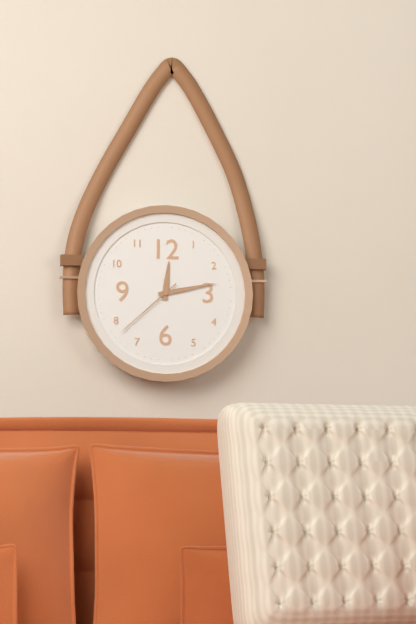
12:13:38
